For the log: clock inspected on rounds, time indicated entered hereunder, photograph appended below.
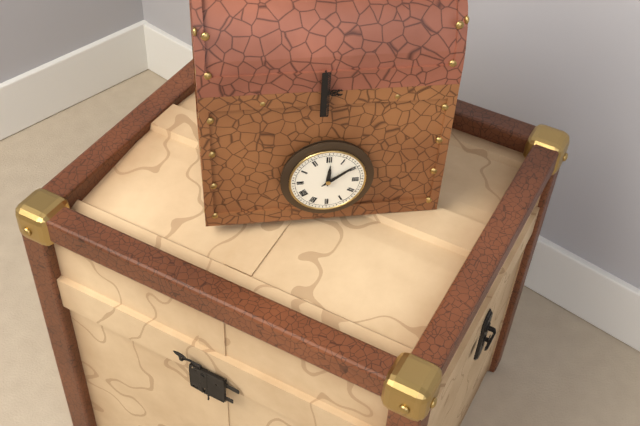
12:09
